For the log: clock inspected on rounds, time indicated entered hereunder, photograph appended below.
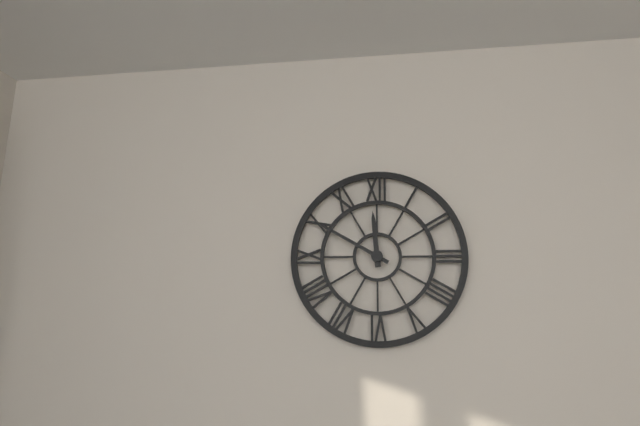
11:50
